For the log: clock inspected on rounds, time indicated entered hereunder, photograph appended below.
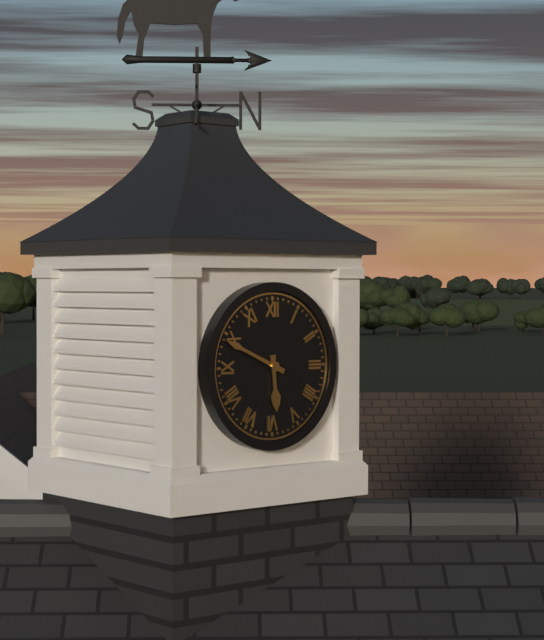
5:49
